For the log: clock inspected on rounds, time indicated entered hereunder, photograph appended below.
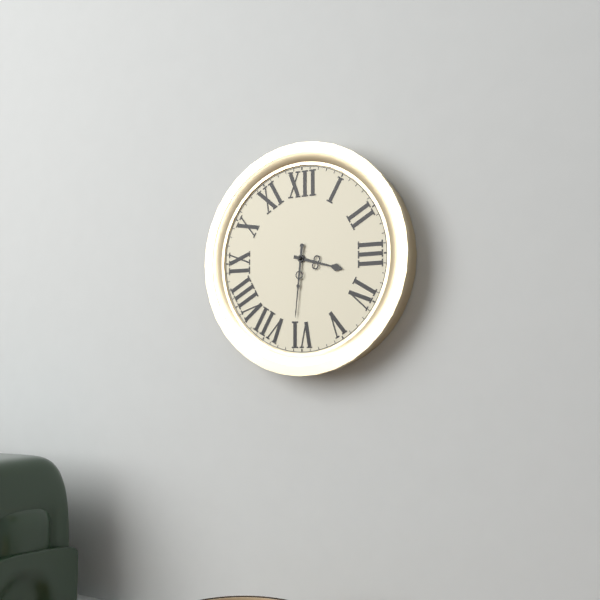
3:31
